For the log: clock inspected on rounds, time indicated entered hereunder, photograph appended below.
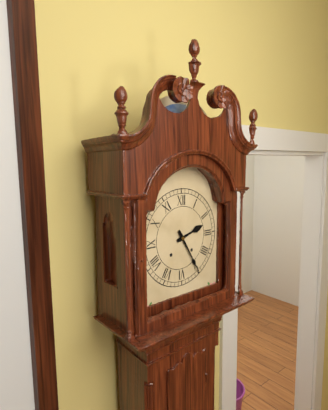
2:25
